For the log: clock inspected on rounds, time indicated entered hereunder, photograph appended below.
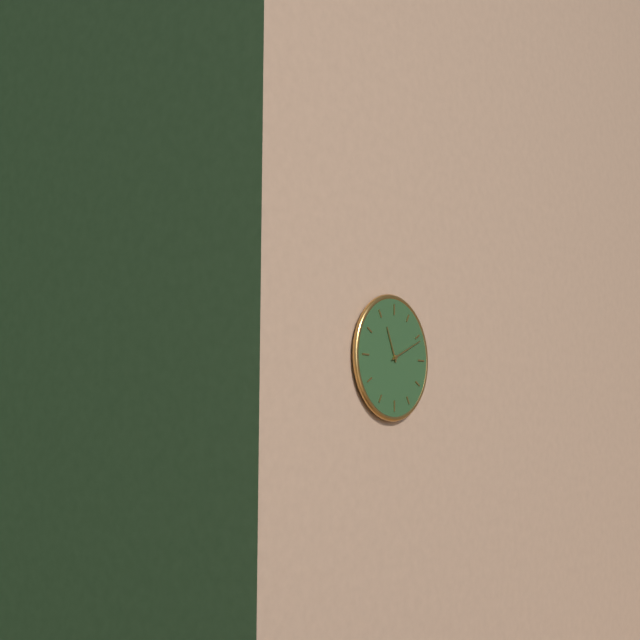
11:11
